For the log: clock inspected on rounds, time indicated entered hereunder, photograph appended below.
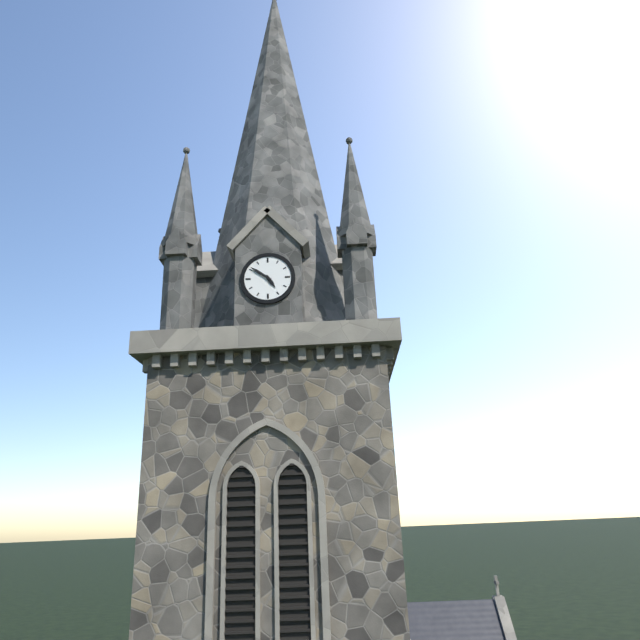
4:51
